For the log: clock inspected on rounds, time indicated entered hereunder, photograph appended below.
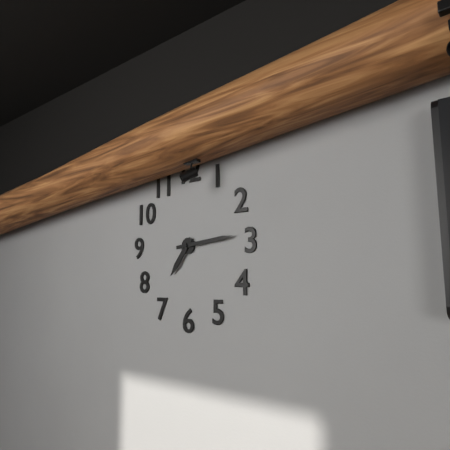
7:14
